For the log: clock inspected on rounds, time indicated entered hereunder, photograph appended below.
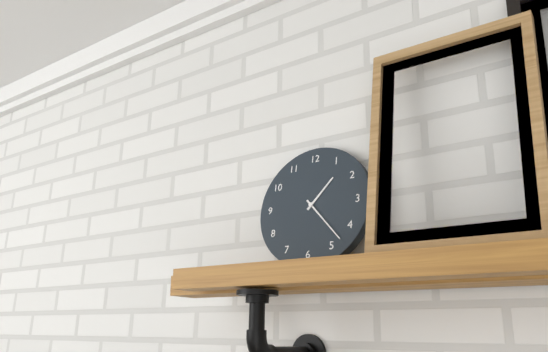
1:23
